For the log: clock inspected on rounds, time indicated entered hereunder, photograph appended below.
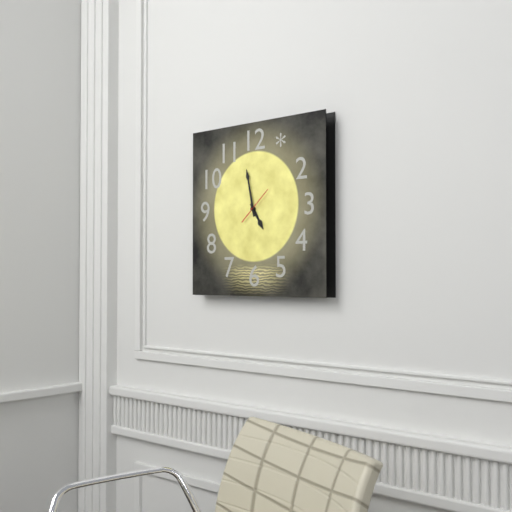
4:58
